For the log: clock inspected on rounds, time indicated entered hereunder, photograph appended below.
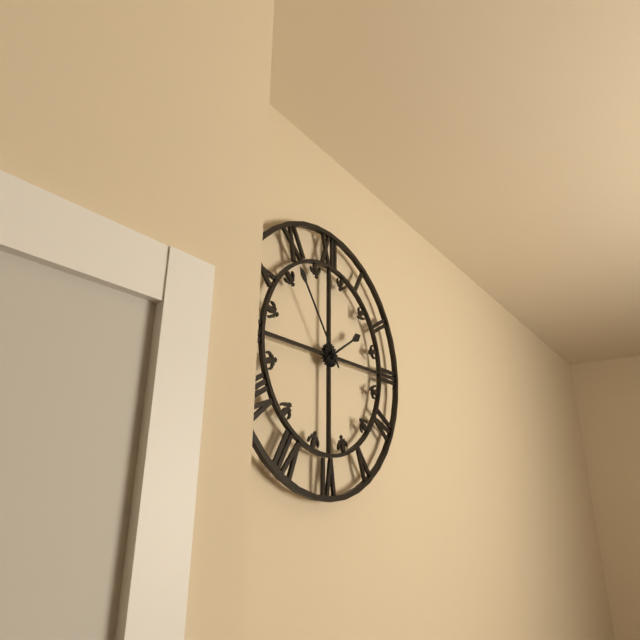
1:54
